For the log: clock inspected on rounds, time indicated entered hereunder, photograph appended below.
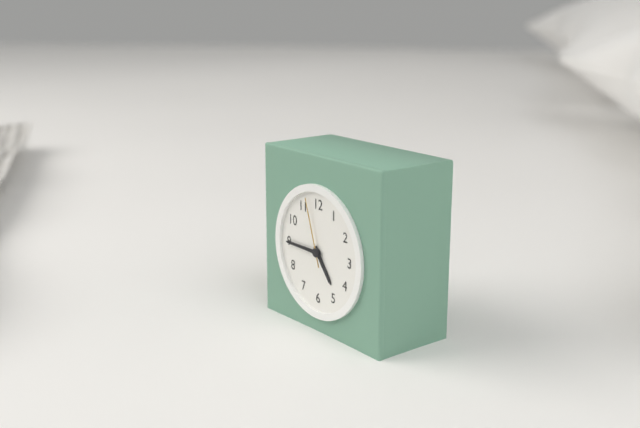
4:45:57
